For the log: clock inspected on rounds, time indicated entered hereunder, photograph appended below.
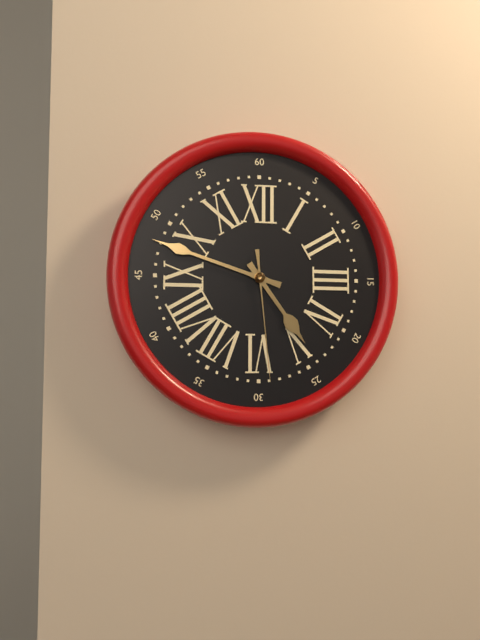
4:48:29
